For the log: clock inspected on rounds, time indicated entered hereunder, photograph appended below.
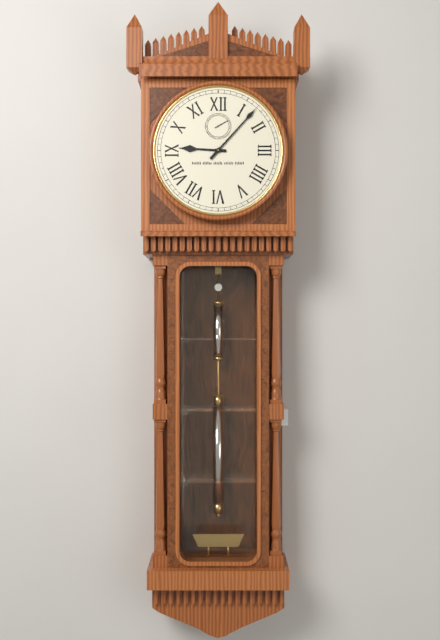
9:07
